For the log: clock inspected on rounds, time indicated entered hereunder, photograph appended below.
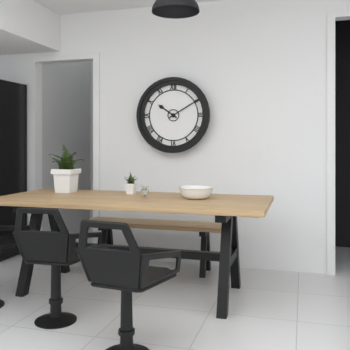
10:10
